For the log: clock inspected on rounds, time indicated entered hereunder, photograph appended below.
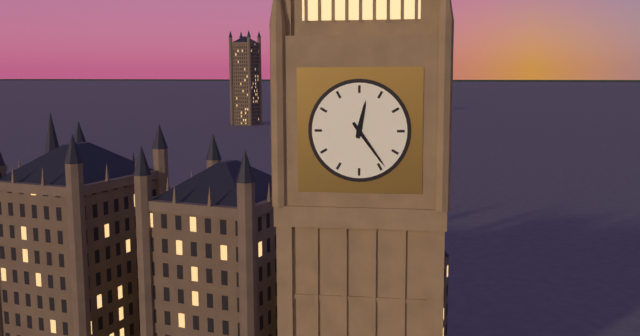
12:24
